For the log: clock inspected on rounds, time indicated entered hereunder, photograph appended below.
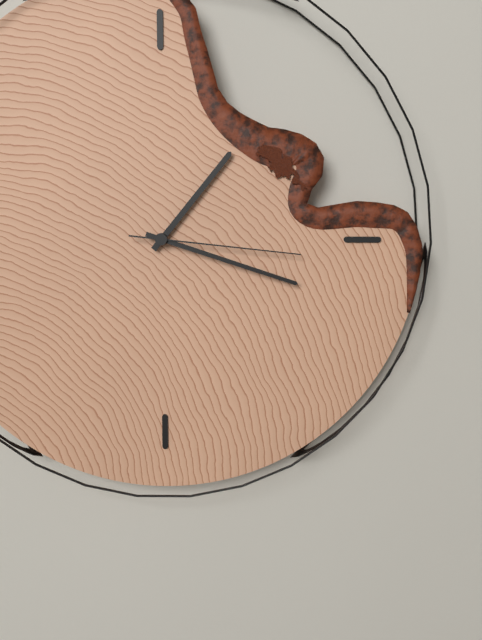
1:18:16
